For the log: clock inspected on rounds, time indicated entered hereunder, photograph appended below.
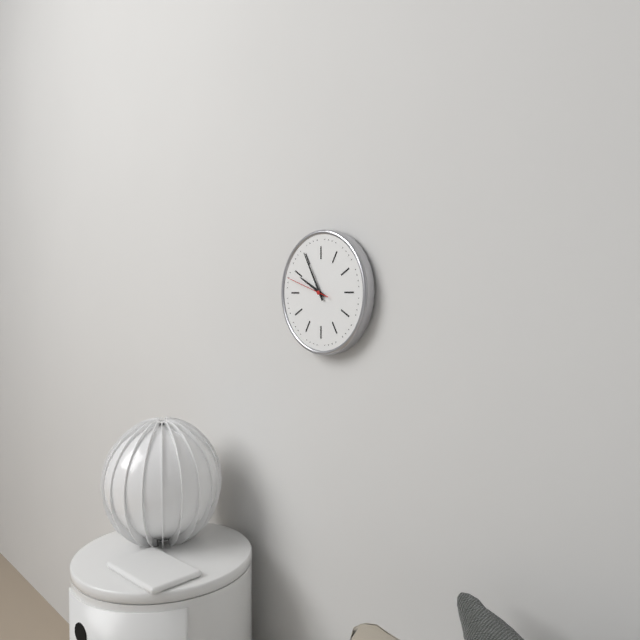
9:55
